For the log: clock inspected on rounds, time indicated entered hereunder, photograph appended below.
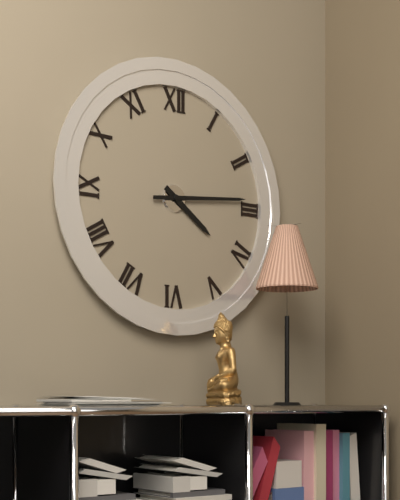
4:14
